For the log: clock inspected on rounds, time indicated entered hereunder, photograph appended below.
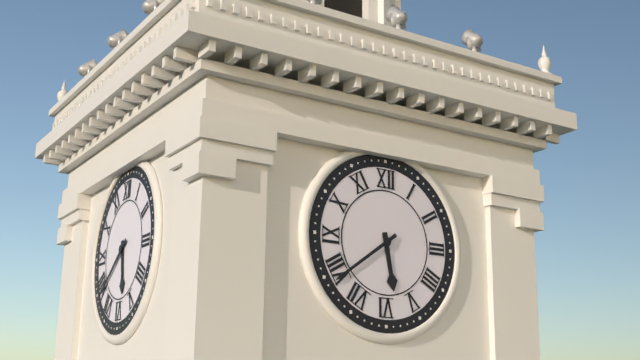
5:39
